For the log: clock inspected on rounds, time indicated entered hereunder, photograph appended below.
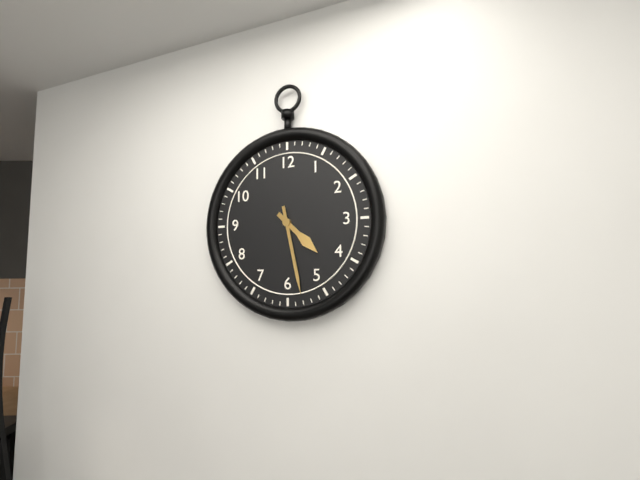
4:28
